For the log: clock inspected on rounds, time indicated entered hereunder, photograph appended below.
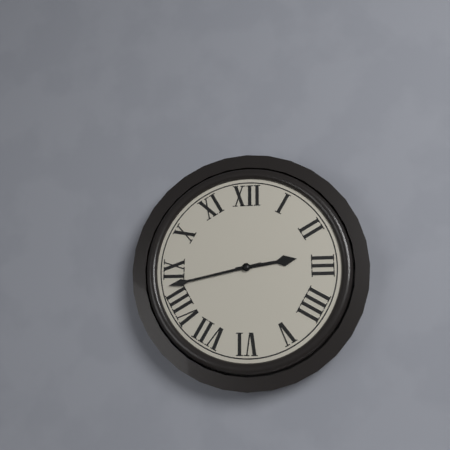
2:43
